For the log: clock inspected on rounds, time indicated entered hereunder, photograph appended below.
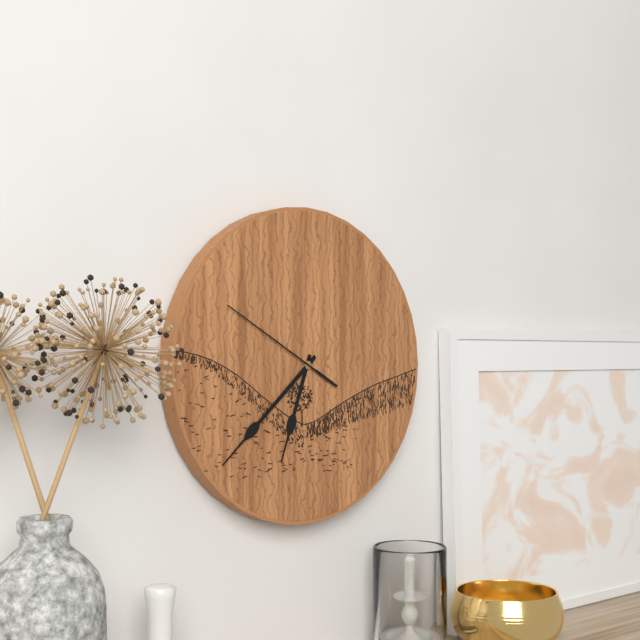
6:38:50
